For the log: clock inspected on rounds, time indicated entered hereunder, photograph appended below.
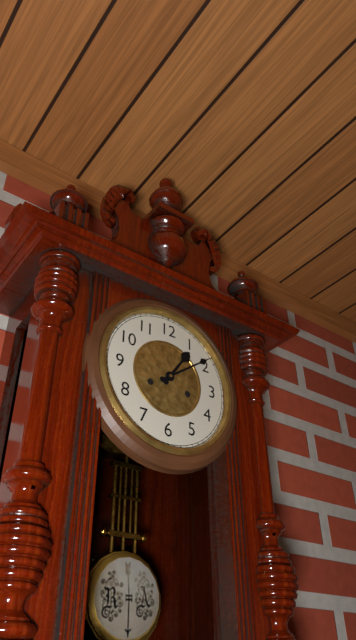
1:09
